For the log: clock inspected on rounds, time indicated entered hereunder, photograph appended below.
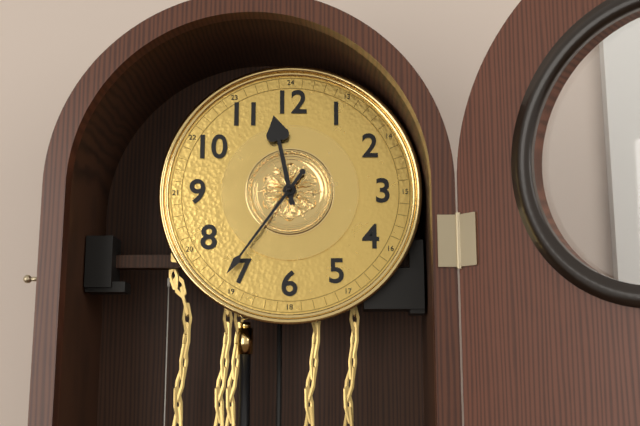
11:36
